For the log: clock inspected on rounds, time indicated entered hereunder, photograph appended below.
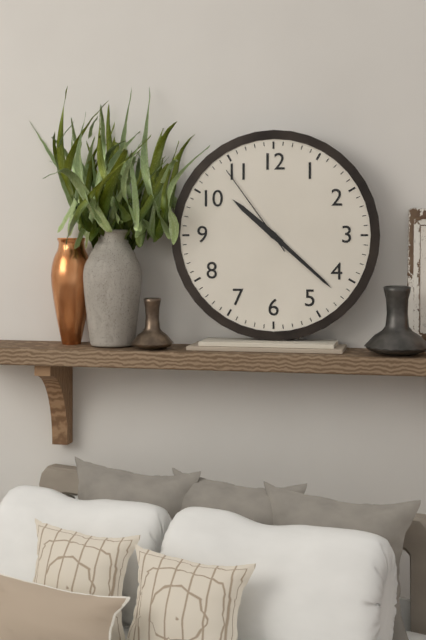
10:22:54
